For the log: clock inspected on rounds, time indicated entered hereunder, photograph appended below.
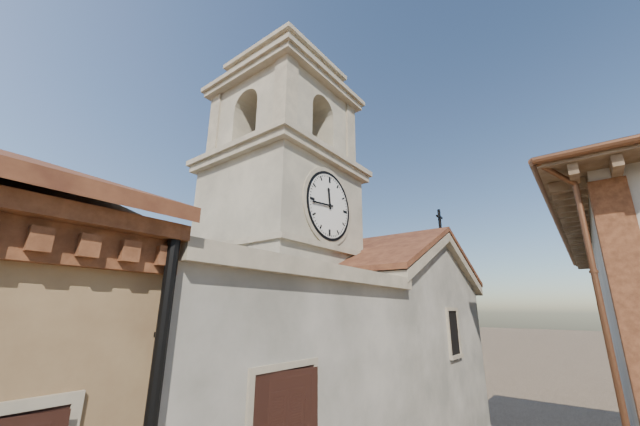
11:44
